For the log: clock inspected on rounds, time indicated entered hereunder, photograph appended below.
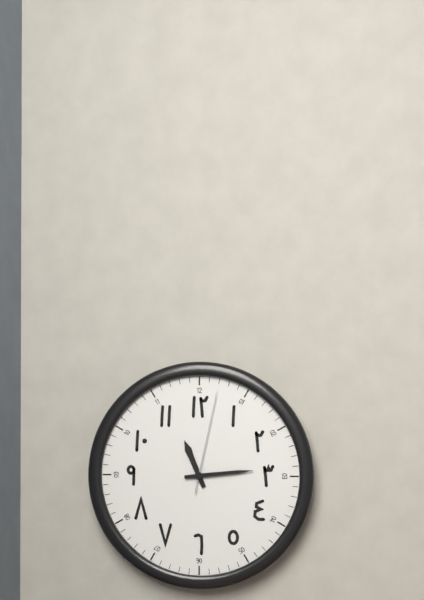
11:14:02
